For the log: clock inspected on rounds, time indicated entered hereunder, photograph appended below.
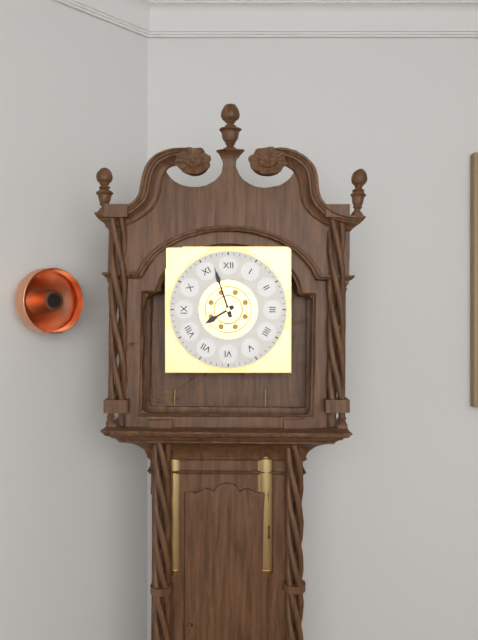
7:57
